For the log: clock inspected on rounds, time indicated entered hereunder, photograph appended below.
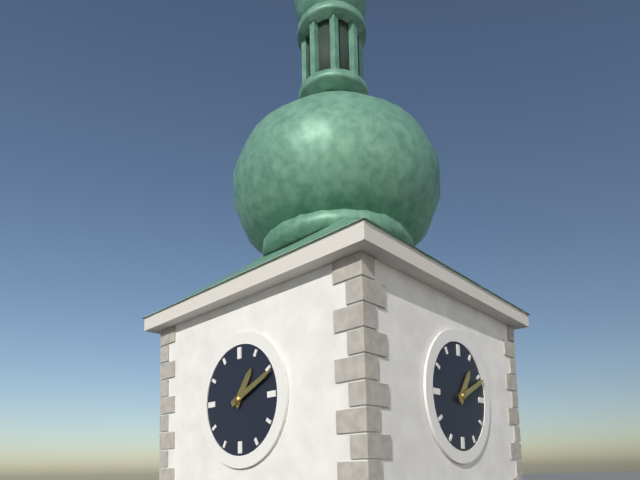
1:11
